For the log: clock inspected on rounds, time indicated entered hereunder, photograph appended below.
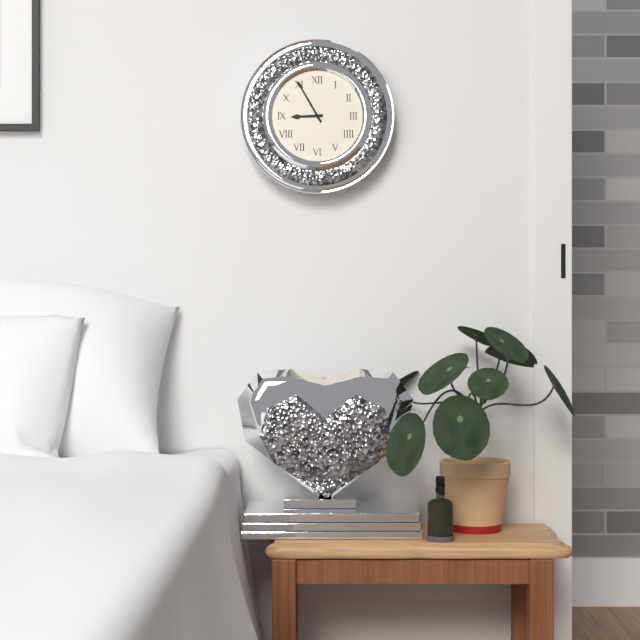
8:55
